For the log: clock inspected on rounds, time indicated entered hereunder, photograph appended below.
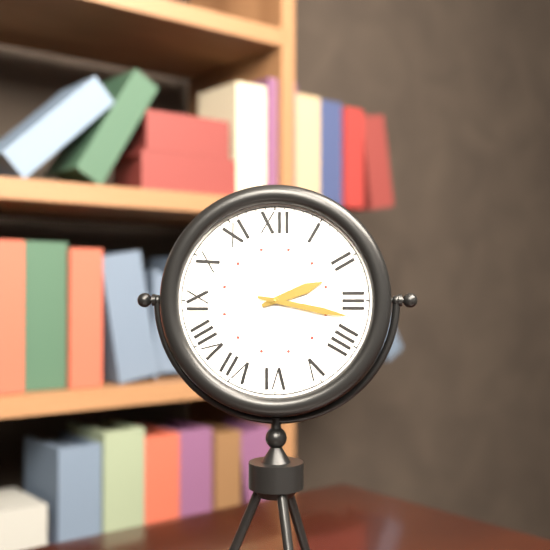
2:17
